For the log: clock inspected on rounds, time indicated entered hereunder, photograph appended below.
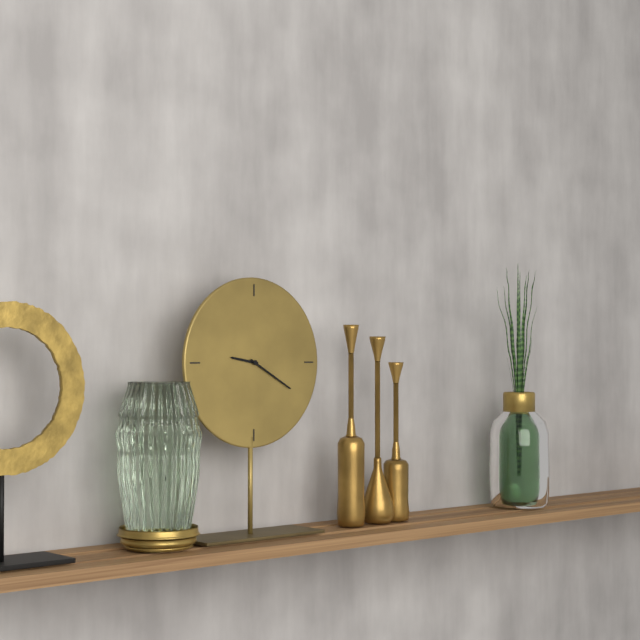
9:20
